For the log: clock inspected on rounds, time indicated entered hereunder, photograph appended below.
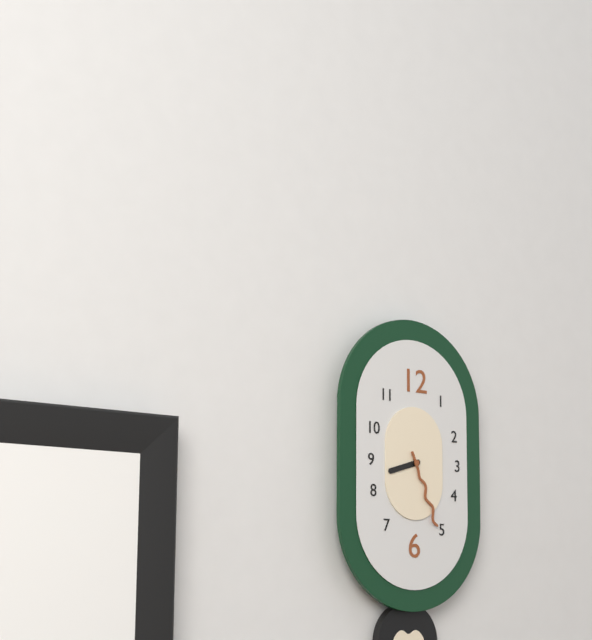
8:26
